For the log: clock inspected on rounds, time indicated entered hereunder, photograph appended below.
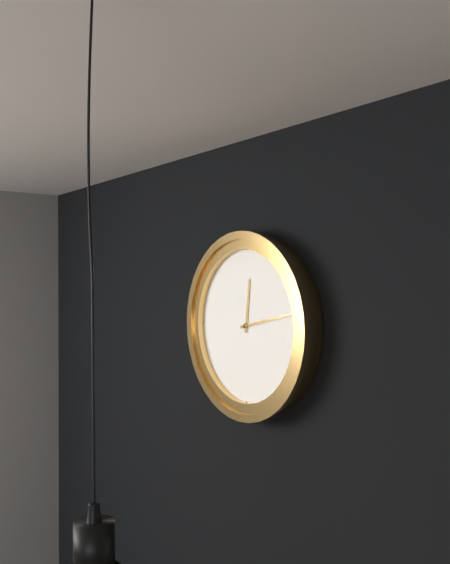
12:13
